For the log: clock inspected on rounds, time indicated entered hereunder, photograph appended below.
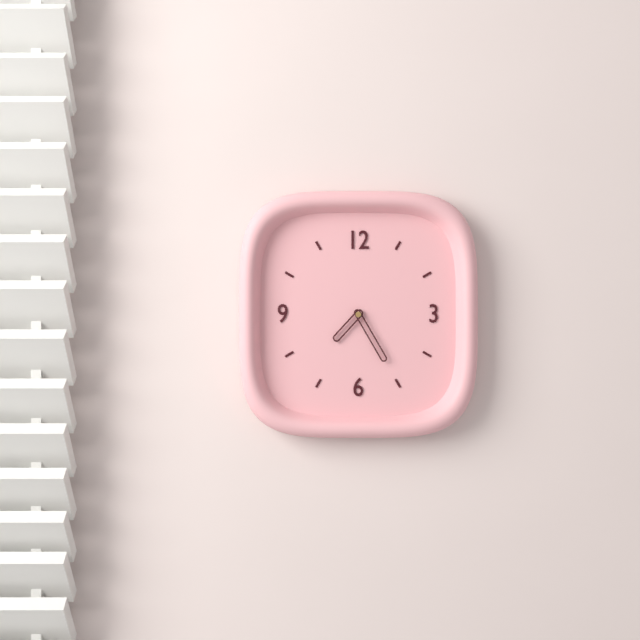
7:25
